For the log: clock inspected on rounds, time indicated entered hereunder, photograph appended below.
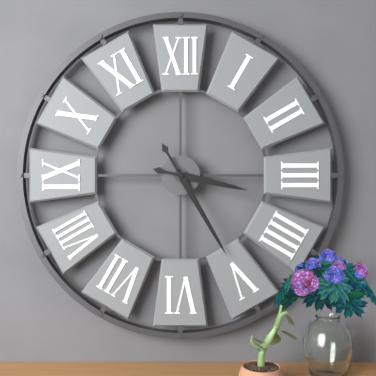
3:25
